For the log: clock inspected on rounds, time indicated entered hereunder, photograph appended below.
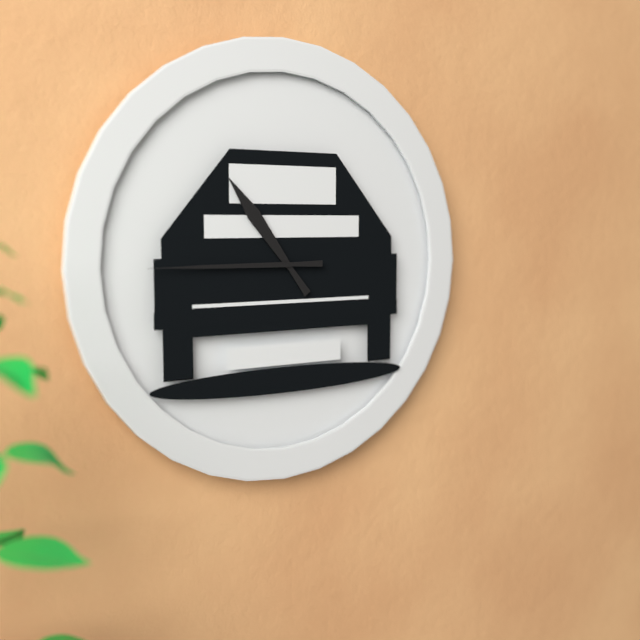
10:45
